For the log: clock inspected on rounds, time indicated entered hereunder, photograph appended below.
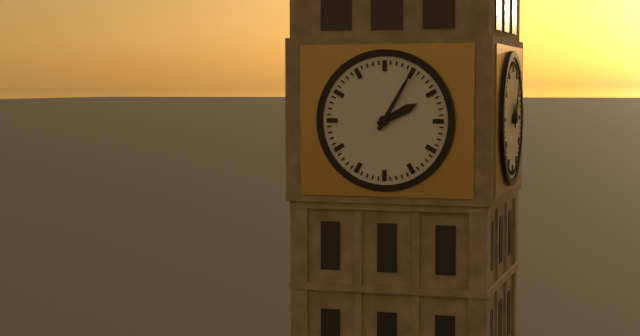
2:05
